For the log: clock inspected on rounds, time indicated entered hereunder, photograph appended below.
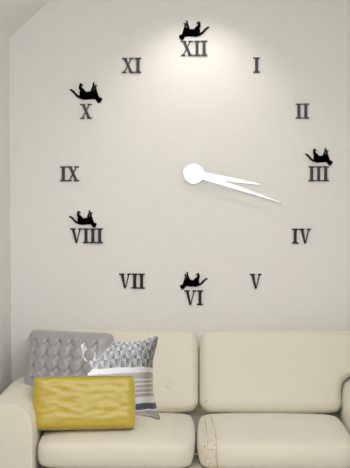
3:18
